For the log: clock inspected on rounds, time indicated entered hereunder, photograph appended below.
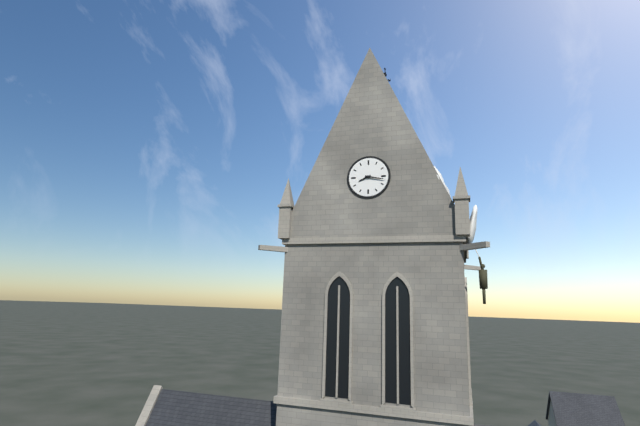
8:17
